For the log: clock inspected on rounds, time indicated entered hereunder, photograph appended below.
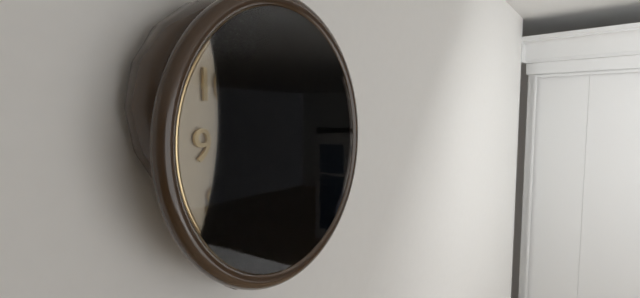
11:17:06
